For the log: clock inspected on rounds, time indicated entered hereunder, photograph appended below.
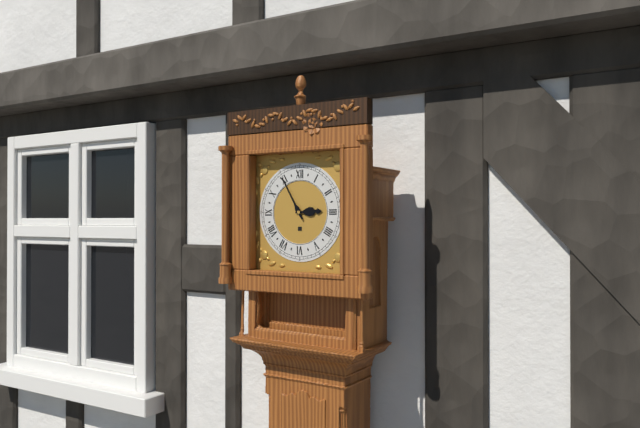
2:55
